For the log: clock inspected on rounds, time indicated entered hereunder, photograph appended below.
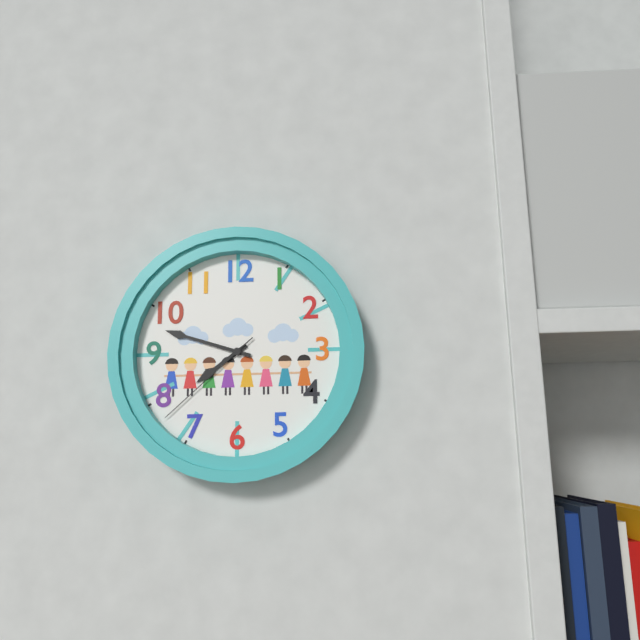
7:48:38
